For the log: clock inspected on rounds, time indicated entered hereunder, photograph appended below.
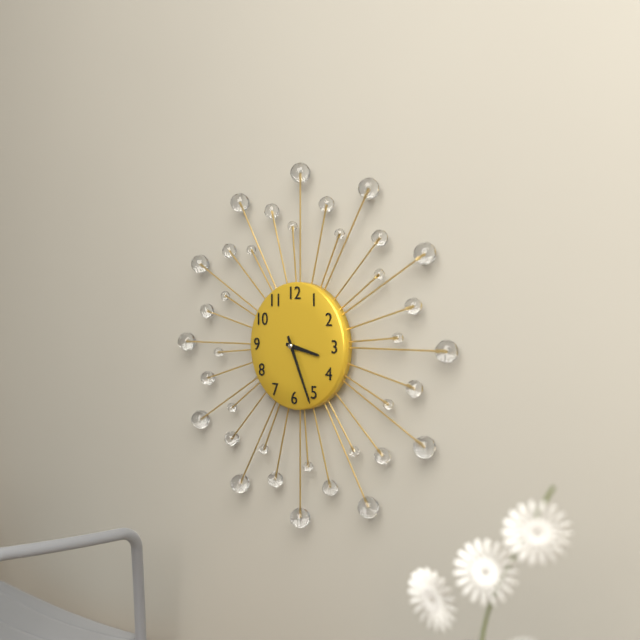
3:26
